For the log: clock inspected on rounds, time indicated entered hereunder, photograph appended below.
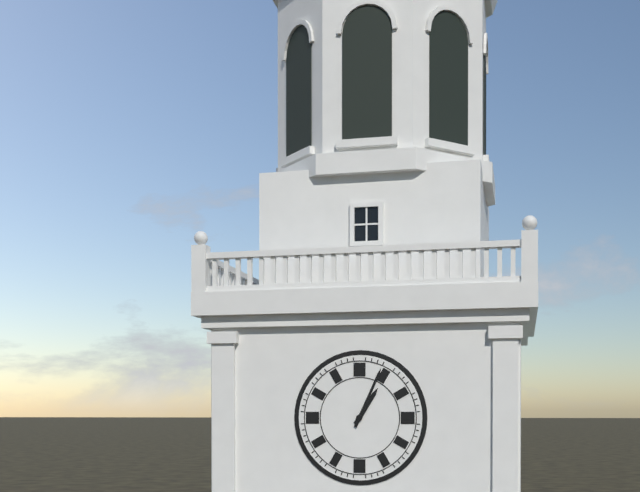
1:04
